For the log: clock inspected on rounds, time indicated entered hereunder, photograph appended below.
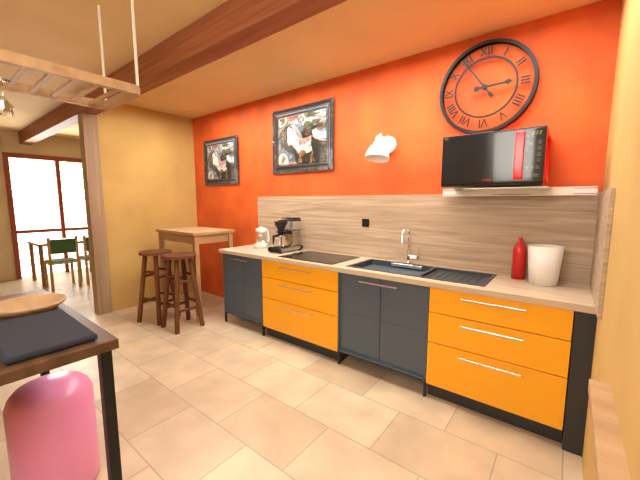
2:54
